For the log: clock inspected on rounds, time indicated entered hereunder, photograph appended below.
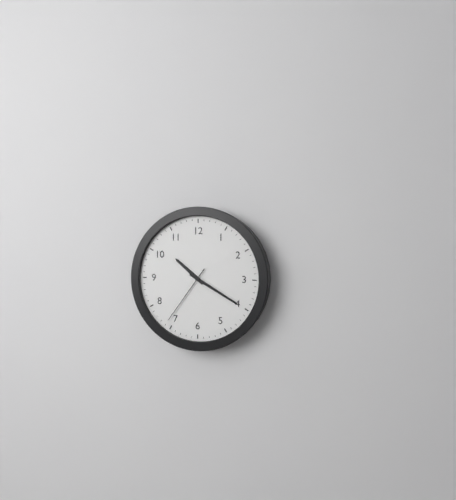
10:20:36
